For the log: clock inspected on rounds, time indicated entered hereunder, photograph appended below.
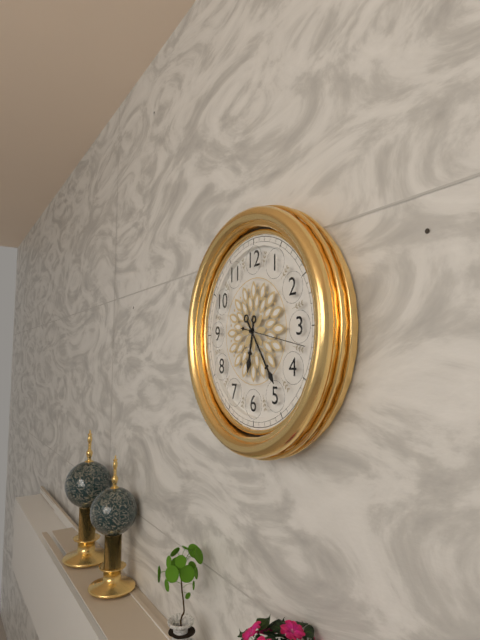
6:24
